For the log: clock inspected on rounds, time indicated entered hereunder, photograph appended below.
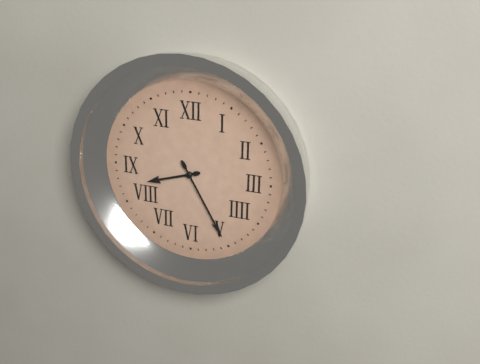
8:25
